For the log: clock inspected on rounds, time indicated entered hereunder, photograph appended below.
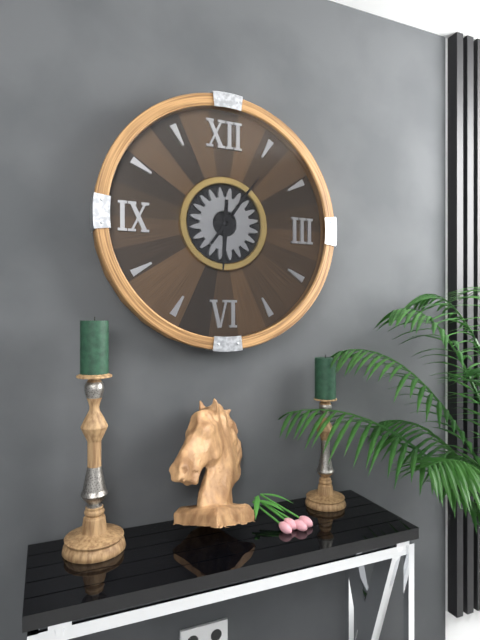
6:06
